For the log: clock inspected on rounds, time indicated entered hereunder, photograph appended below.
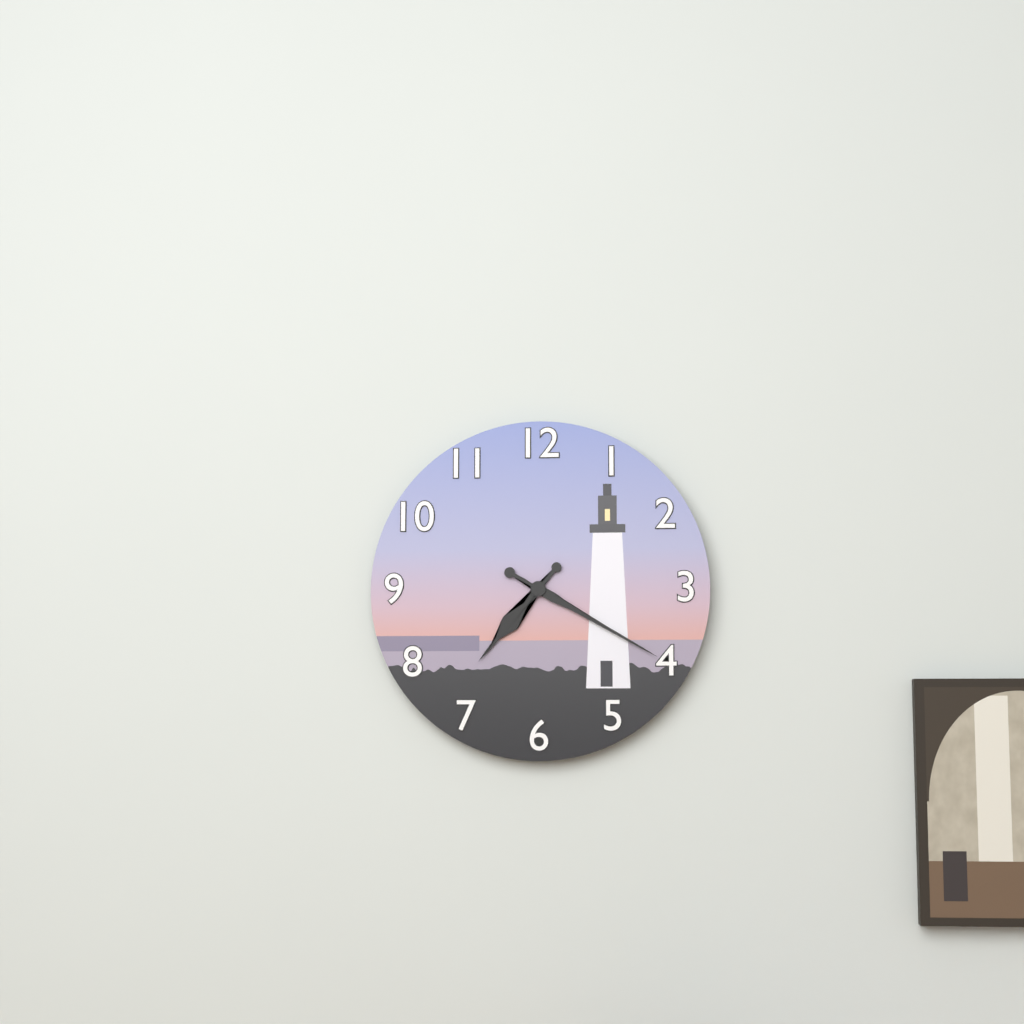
7:20
